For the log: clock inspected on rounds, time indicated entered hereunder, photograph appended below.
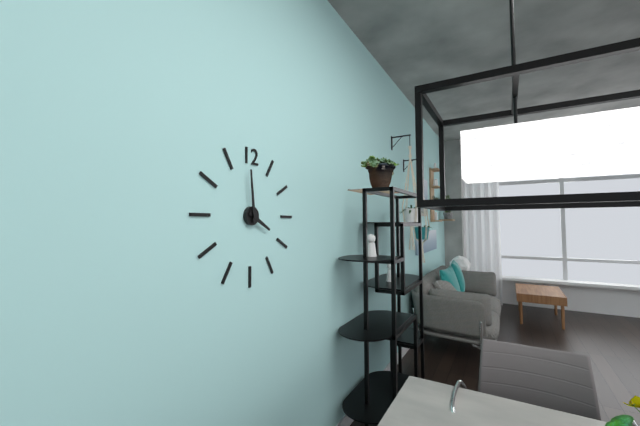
3:59
